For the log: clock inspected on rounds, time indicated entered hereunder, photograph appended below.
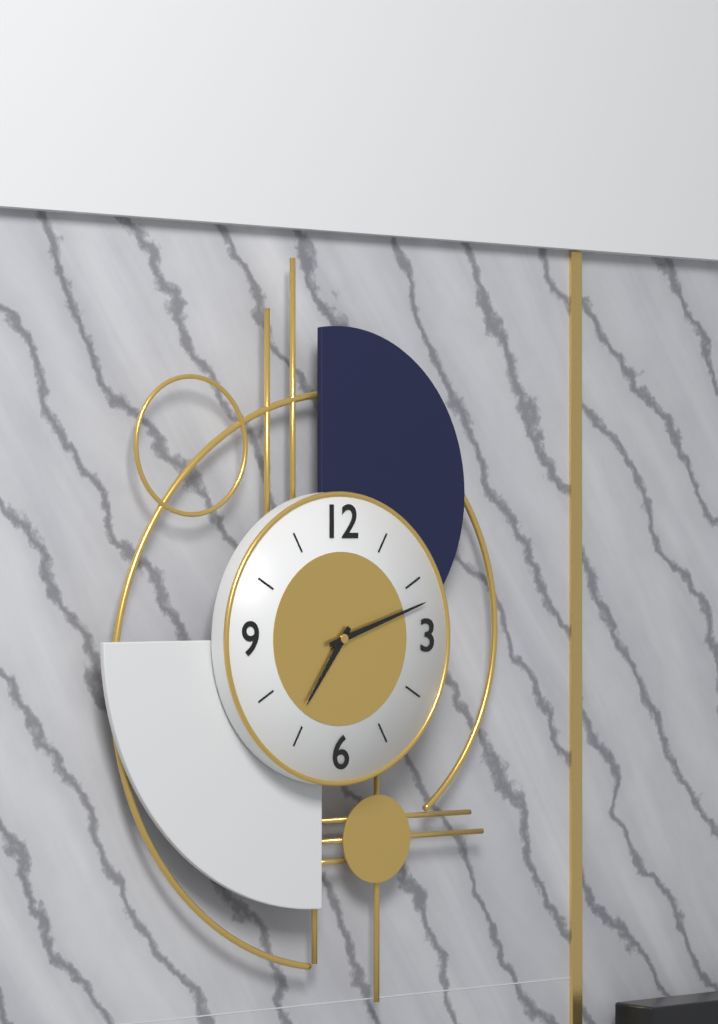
7:12
